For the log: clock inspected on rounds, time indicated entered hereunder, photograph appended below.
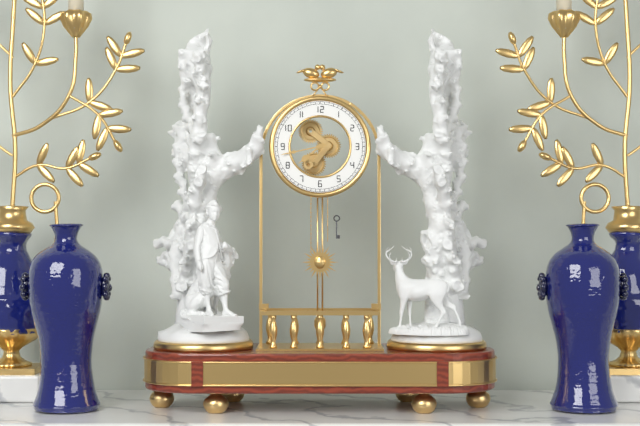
7:43
